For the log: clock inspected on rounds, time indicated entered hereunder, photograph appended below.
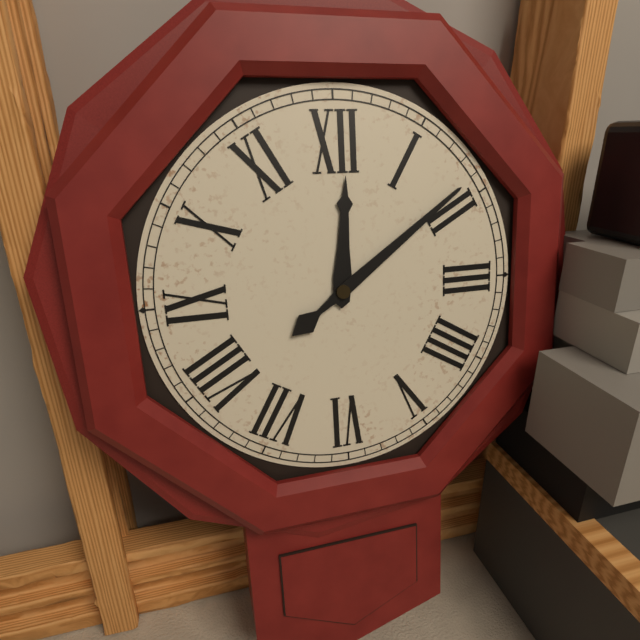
12:09
